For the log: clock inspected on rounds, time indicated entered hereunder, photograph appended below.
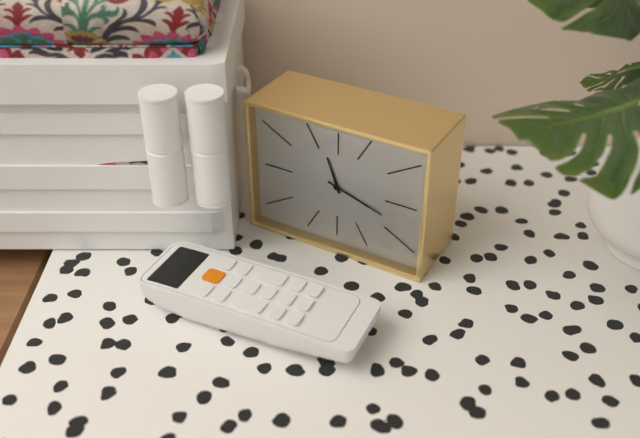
11:18
